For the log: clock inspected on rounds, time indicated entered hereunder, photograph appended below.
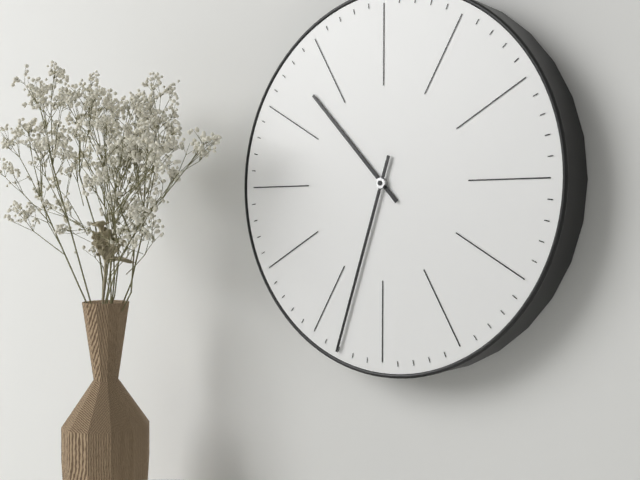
10:33
